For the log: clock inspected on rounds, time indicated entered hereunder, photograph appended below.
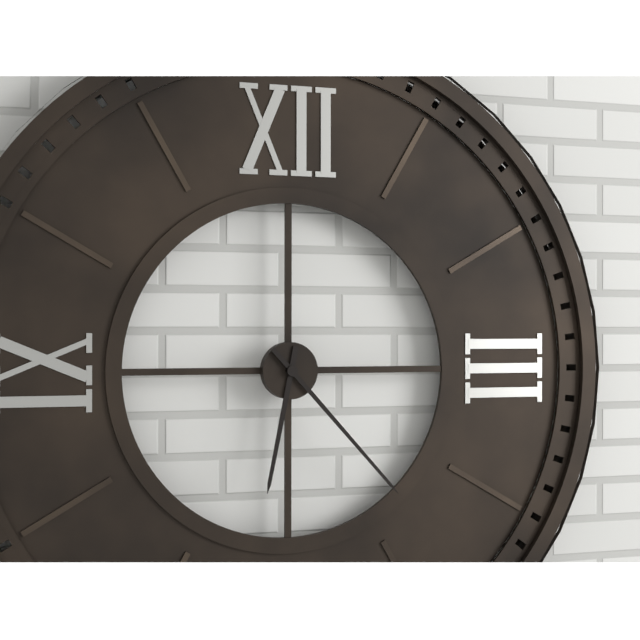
6:23
